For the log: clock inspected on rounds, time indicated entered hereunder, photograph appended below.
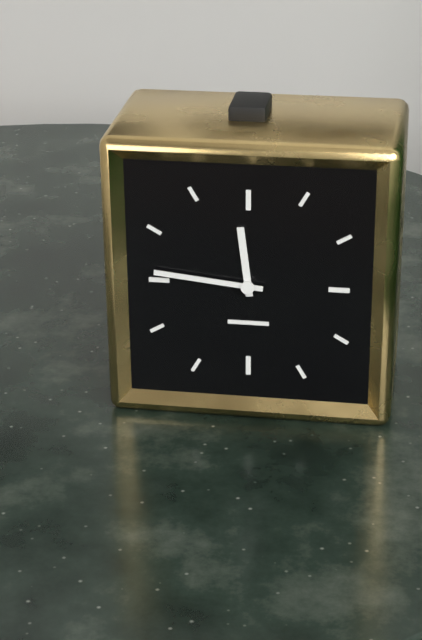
11:46
